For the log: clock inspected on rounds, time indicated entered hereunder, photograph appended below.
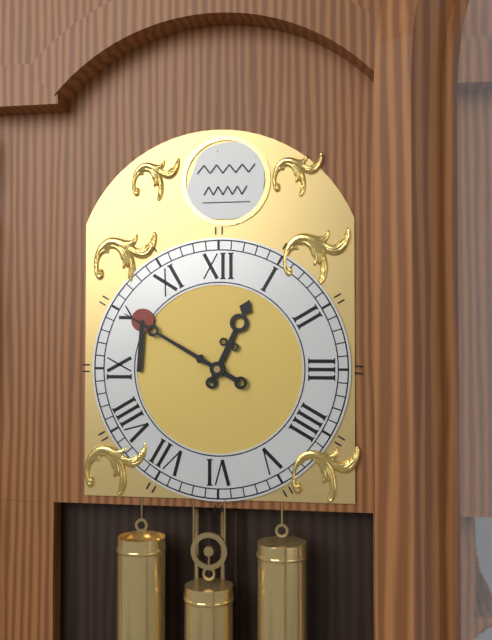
12:50
